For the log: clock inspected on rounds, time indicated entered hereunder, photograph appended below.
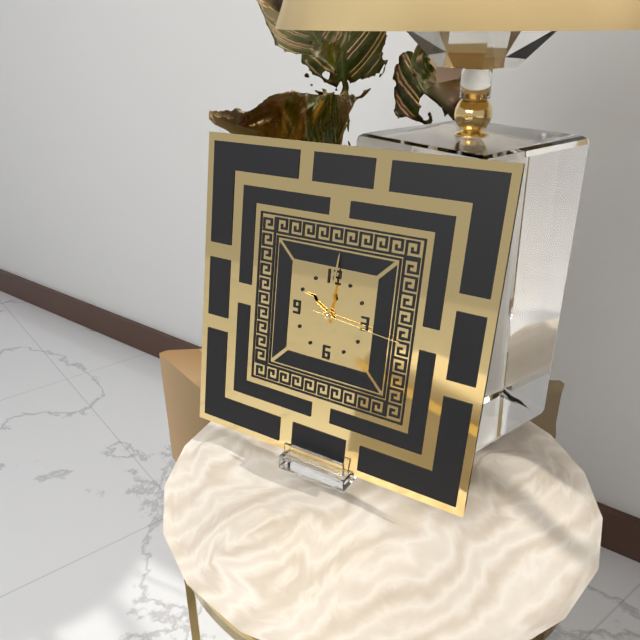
10:01:16
